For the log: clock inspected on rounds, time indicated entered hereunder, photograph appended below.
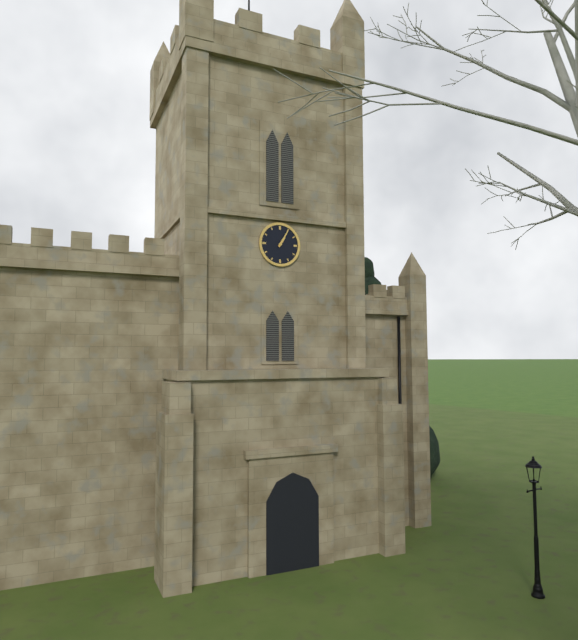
1:05
